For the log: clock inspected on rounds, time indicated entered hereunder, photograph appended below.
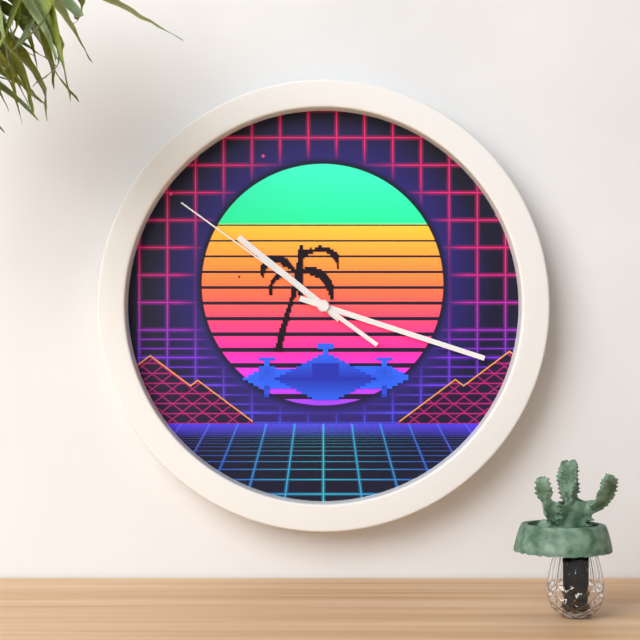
10:18:51
